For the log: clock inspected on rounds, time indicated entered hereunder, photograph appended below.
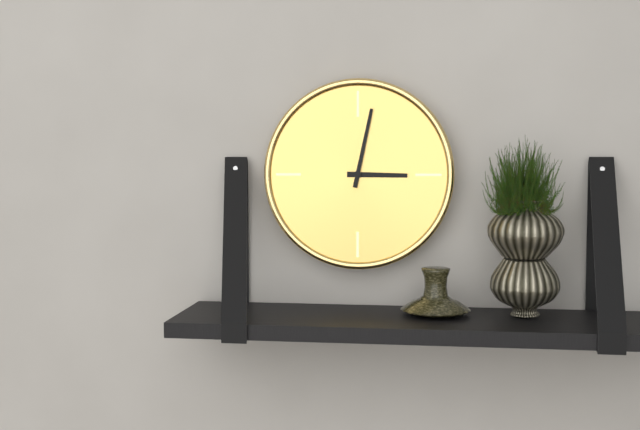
3:02
